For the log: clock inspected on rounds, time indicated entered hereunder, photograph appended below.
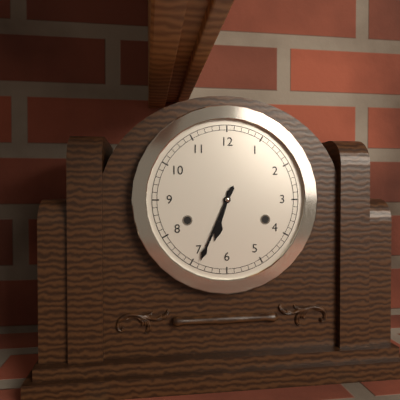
6:34
